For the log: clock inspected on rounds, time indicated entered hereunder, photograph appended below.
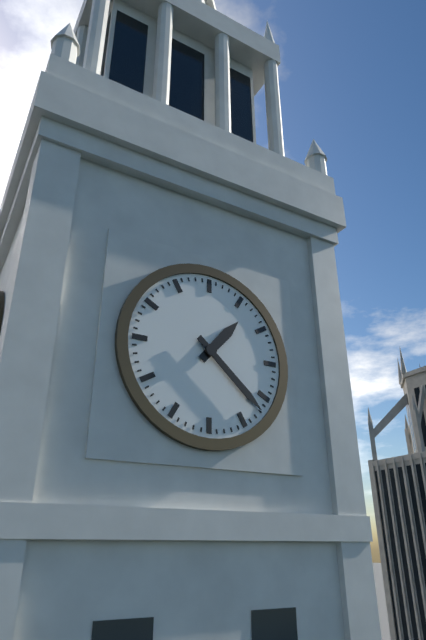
1:22
